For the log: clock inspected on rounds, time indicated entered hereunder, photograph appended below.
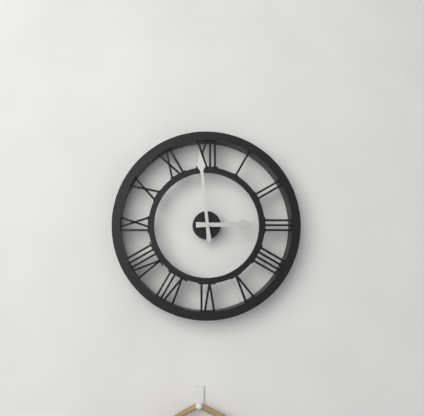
2:59
